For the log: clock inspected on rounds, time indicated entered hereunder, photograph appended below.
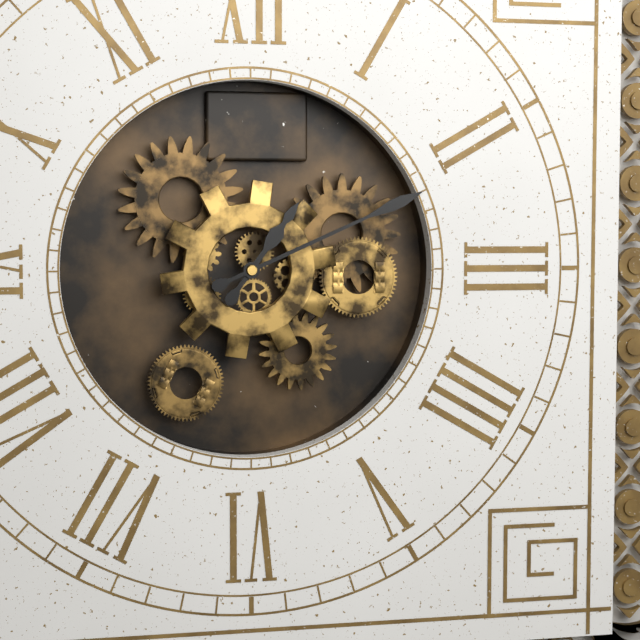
1:11
